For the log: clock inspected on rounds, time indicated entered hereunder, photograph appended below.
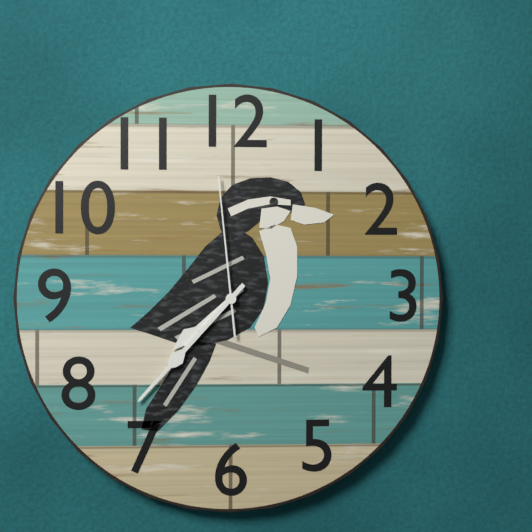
7:37:59
